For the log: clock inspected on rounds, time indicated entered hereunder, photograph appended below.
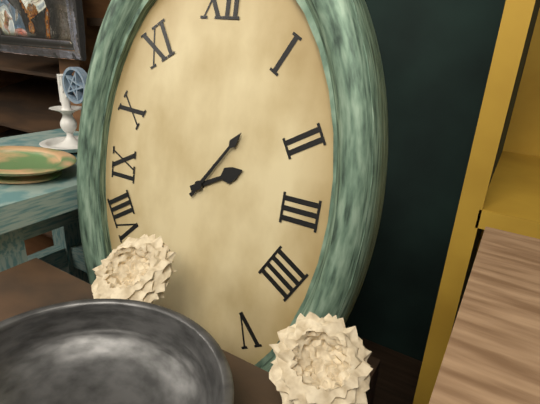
2:06
